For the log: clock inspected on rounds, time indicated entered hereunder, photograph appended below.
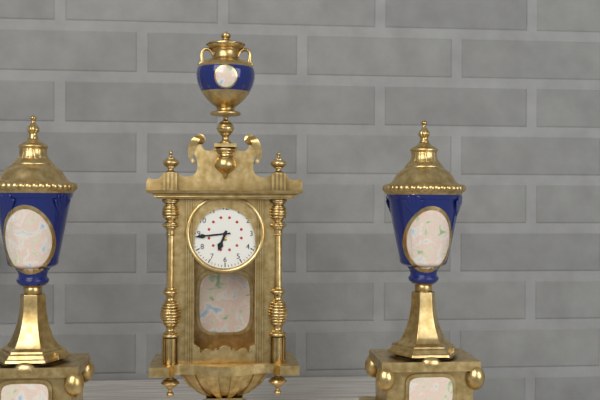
6:44
